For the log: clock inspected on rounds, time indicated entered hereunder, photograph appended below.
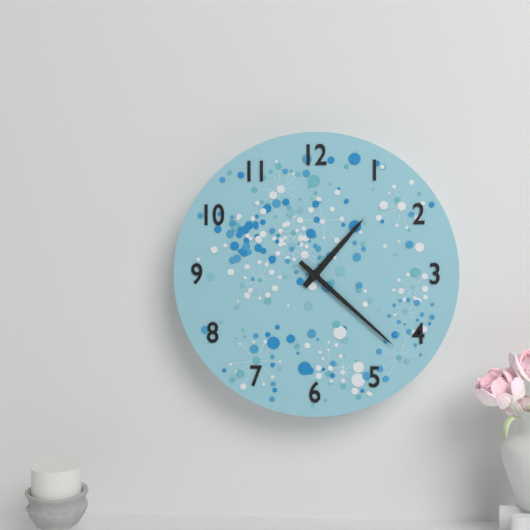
1:22
